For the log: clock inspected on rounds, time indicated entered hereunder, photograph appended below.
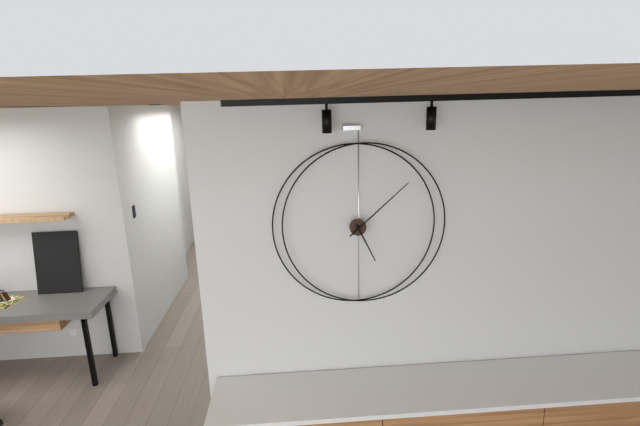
5:08
